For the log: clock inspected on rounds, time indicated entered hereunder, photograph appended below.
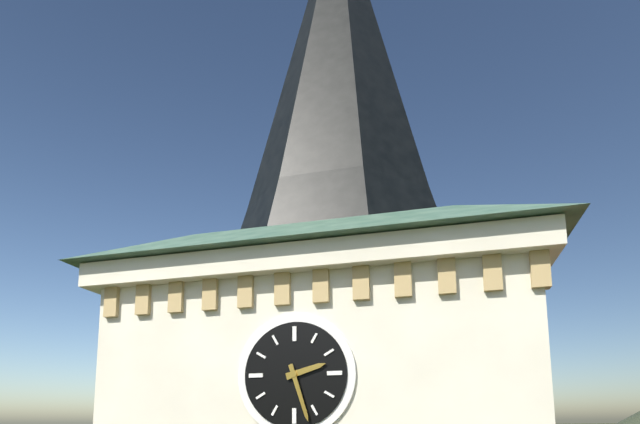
2:27
